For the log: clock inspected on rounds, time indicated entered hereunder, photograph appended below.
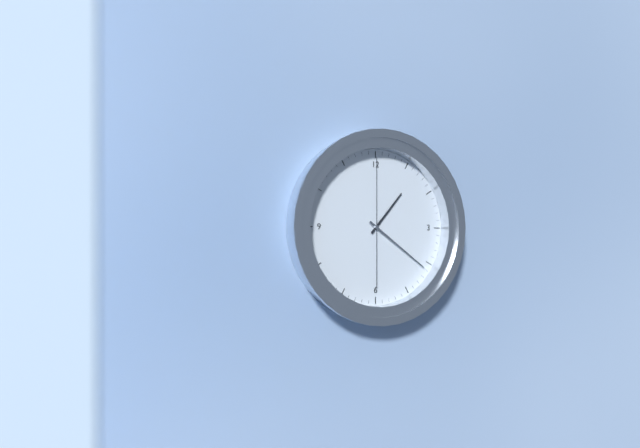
1:21:00
